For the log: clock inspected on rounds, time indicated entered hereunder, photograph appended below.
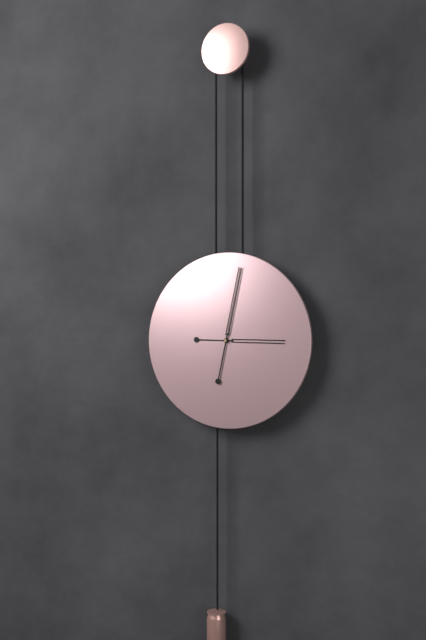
3:02
